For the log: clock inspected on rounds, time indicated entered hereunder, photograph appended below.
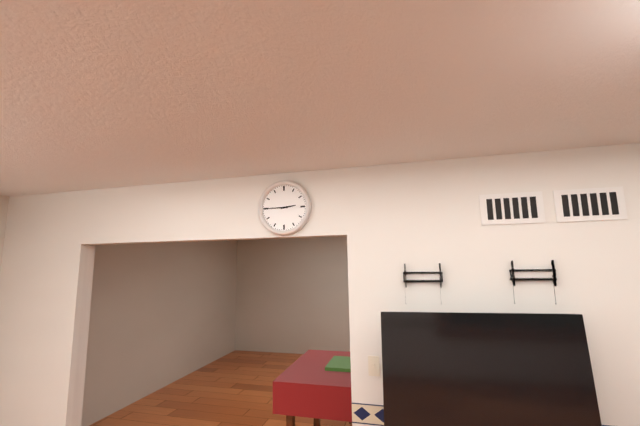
2:45
